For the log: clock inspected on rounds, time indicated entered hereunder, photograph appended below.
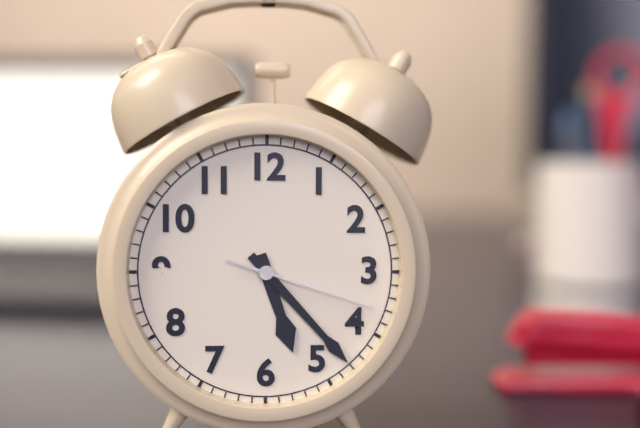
5:23:18
